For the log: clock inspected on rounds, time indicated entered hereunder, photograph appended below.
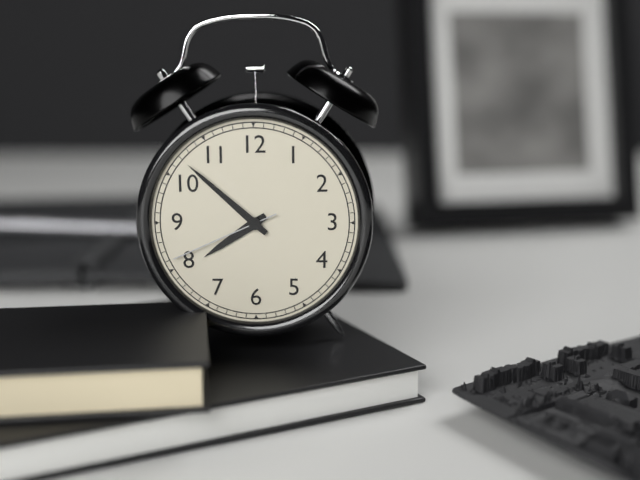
7:52:41
